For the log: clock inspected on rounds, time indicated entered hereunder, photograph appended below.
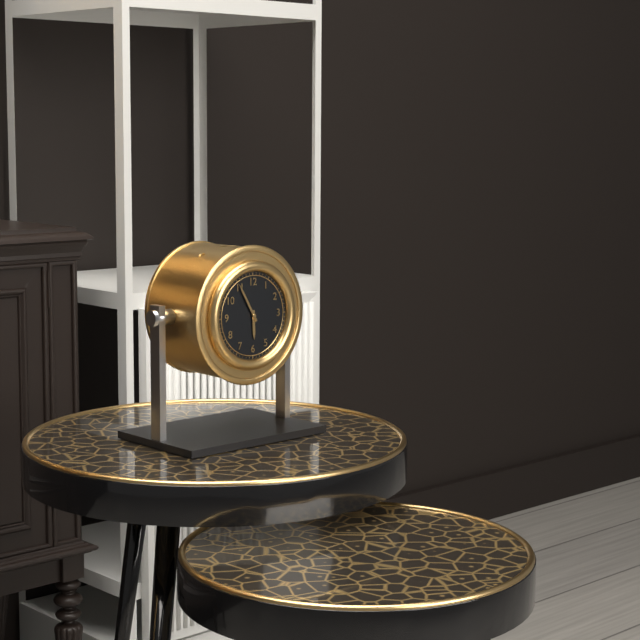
5:55
